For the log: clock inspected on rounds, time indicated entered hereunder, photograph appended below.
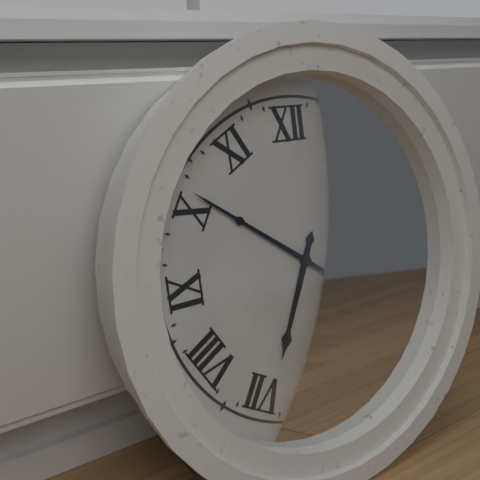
6:51
